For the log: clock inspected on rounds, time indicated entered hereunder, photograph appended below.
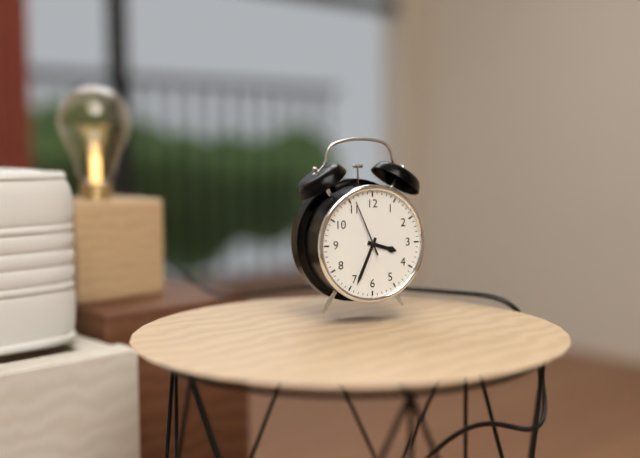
3:34:56
